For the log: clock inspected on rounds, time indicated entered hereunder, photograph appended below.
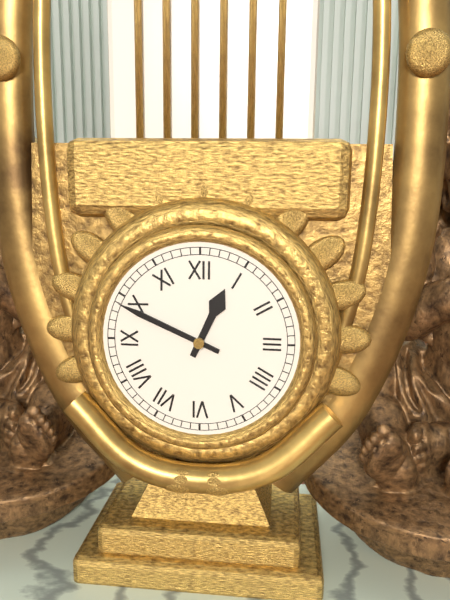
12:49
